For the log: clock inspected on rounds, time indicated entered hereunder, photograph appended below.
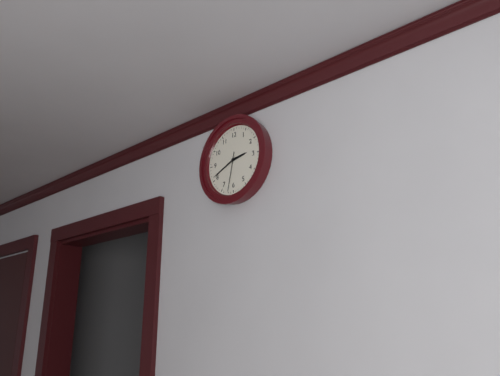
2:41
